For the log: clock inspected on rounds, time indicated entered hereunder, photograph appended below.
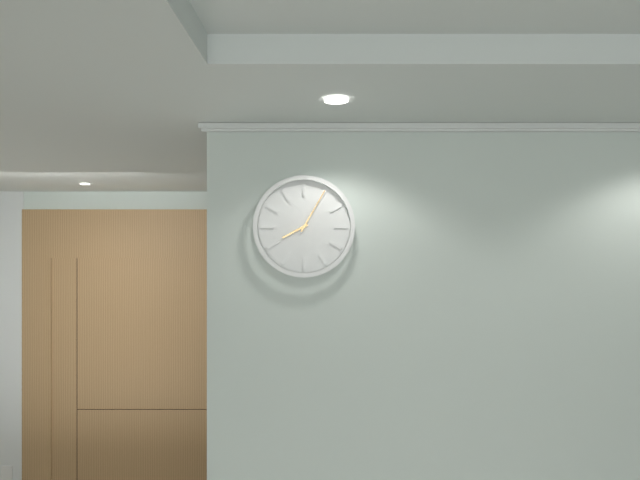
8:05
